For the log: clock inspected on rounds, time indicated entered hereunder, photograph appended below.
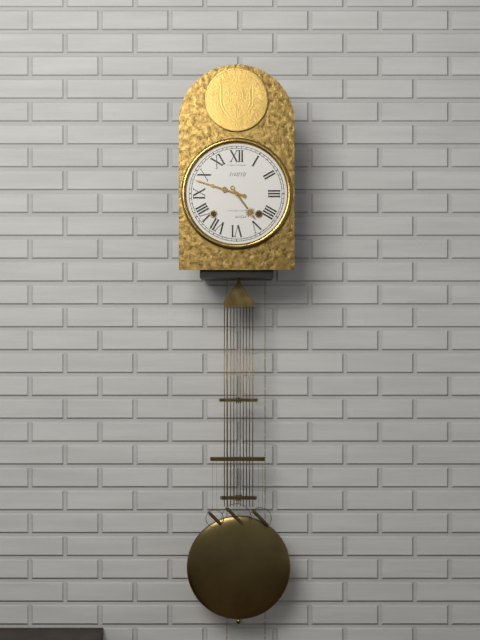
4:48
